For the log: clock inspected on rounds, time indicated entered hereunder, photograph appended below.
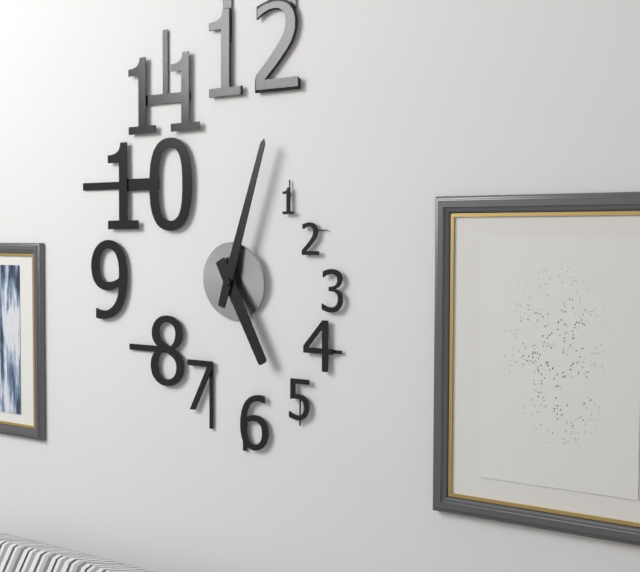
5:03
